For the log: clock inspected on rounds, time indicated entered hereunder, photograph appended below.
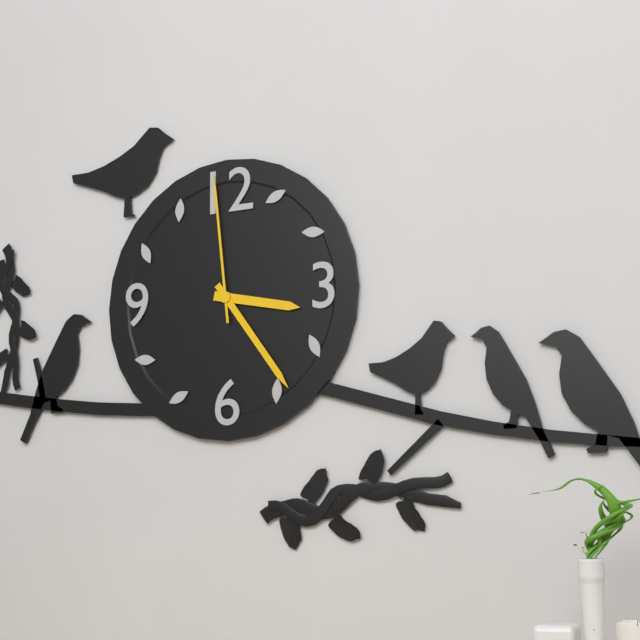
3:24:59
